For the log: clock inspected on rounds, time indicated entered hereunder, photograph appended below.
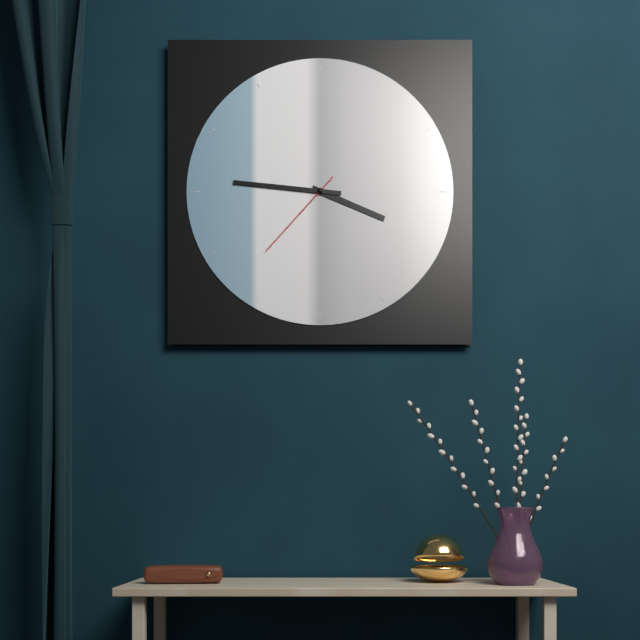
3:46:37
